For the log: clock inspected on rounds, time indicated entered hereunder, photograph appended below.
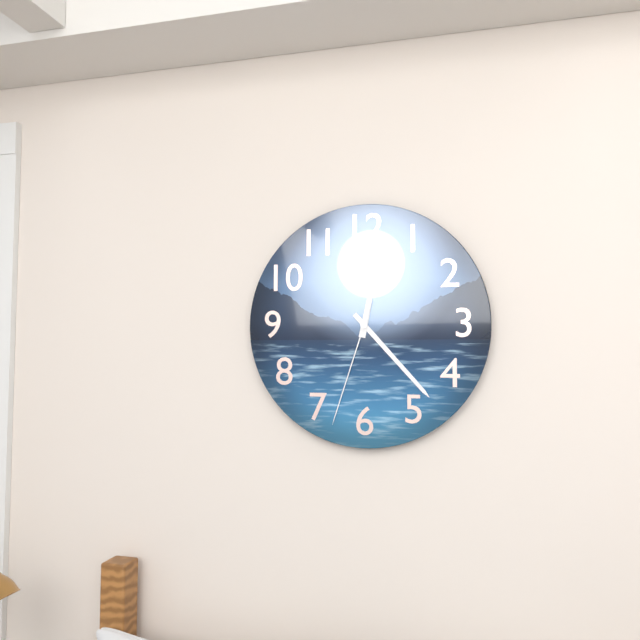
12:23:33
